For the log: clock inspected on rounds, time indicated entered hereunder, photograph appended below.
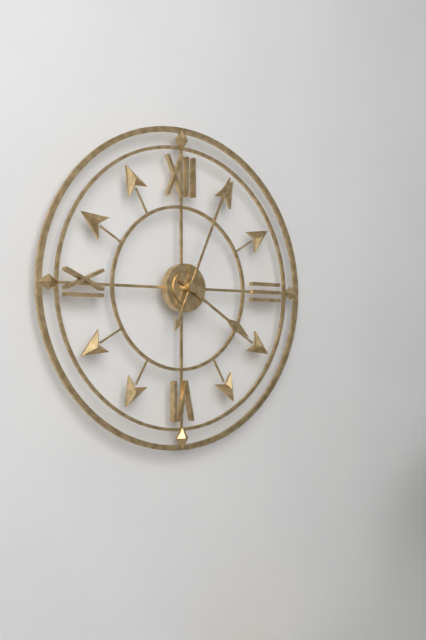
4:04
